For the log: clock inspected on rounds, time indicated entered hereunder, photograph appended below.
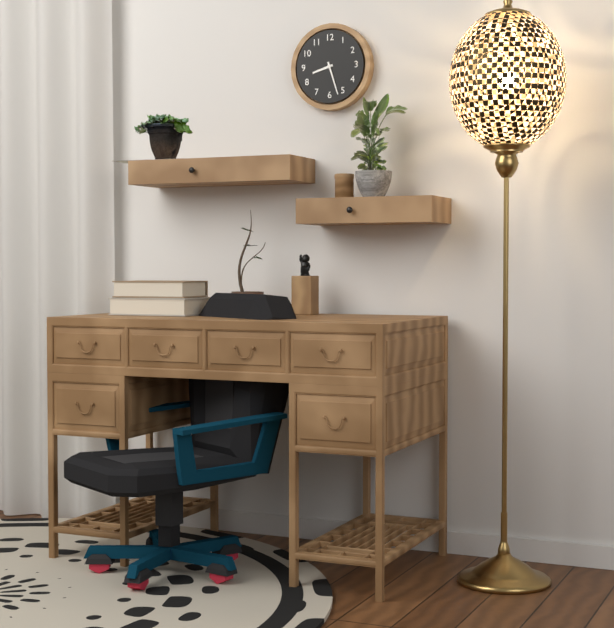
8:27
